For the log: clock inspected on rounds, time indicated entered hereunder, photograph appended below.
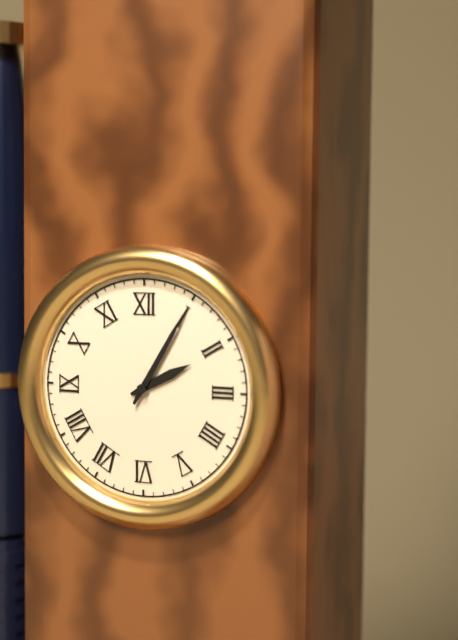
2:05
